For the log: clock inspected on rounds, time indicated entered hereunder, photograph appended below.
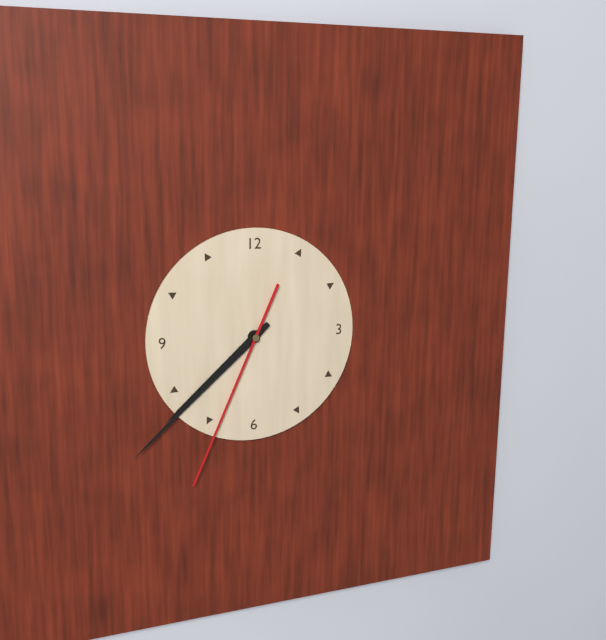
7:38:34
